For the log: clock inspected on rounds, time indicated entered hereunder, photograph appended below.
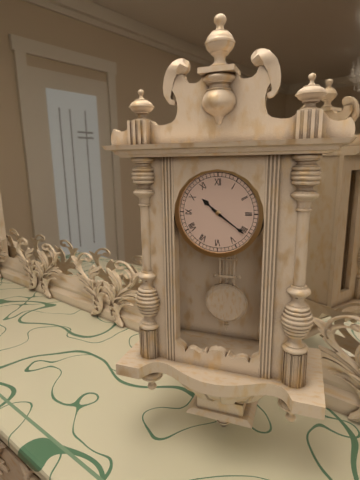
10:21
